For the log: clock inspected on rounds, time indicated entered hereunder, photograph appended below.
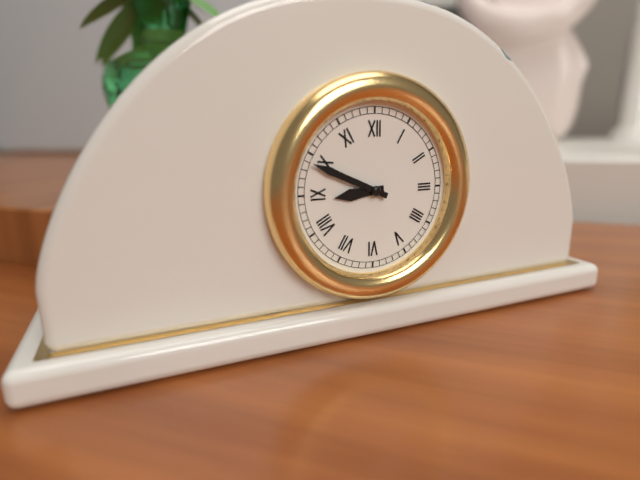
8:49
